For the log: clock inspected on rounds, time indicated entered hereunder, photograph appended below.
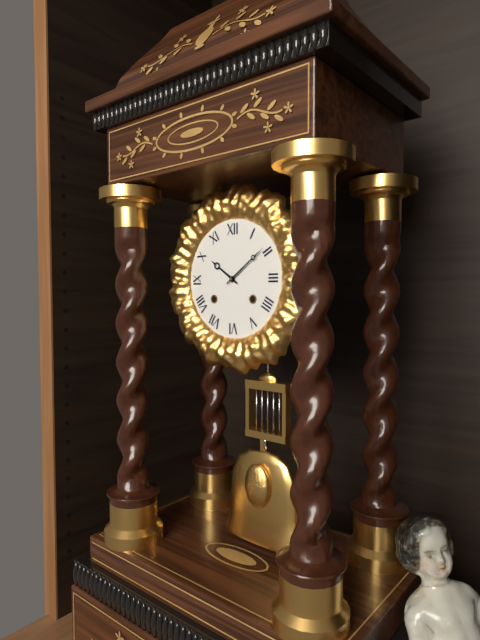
10:09
